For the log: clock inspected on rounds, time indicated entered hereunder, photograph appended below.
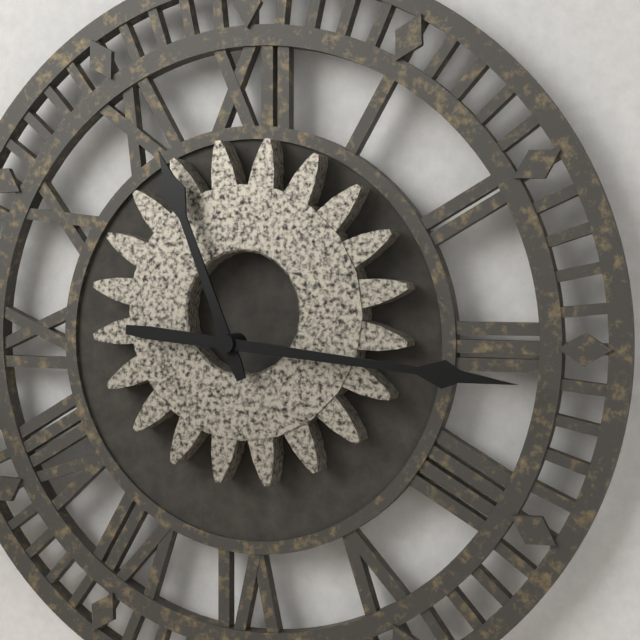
11:16
